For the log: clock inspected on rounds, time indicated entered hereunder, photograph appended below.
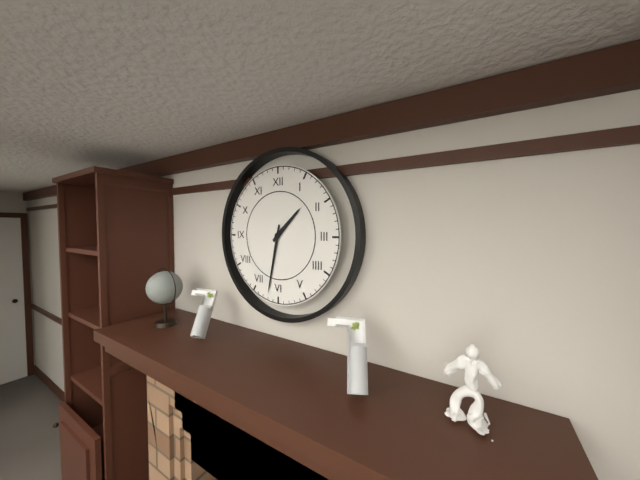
1:32
